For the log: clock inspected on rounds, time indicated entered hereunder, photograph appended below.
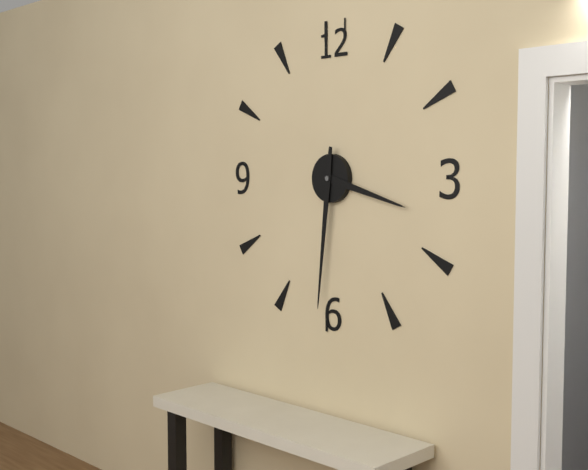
3:31
